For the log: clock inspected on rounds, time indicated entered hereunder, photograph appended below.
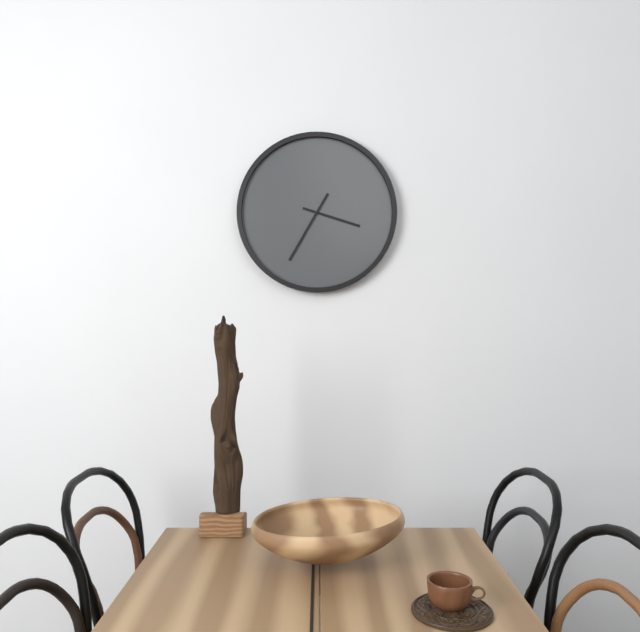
3:35
